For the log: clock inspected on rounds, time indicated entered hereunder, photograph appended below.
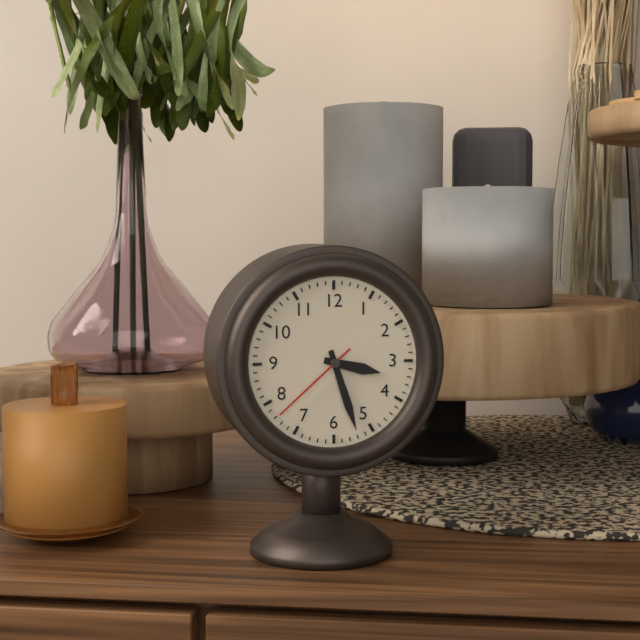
3:27:38
